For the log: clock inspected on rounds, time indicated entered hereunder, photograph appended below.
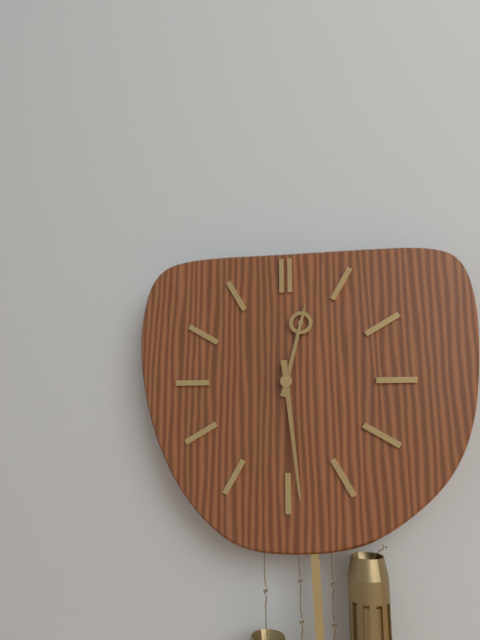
12:29
